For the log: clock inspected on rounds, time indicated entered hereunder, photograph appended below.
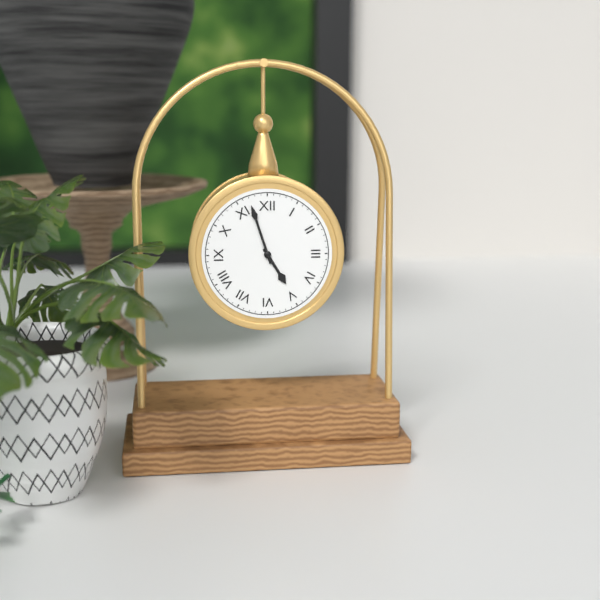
4:57
